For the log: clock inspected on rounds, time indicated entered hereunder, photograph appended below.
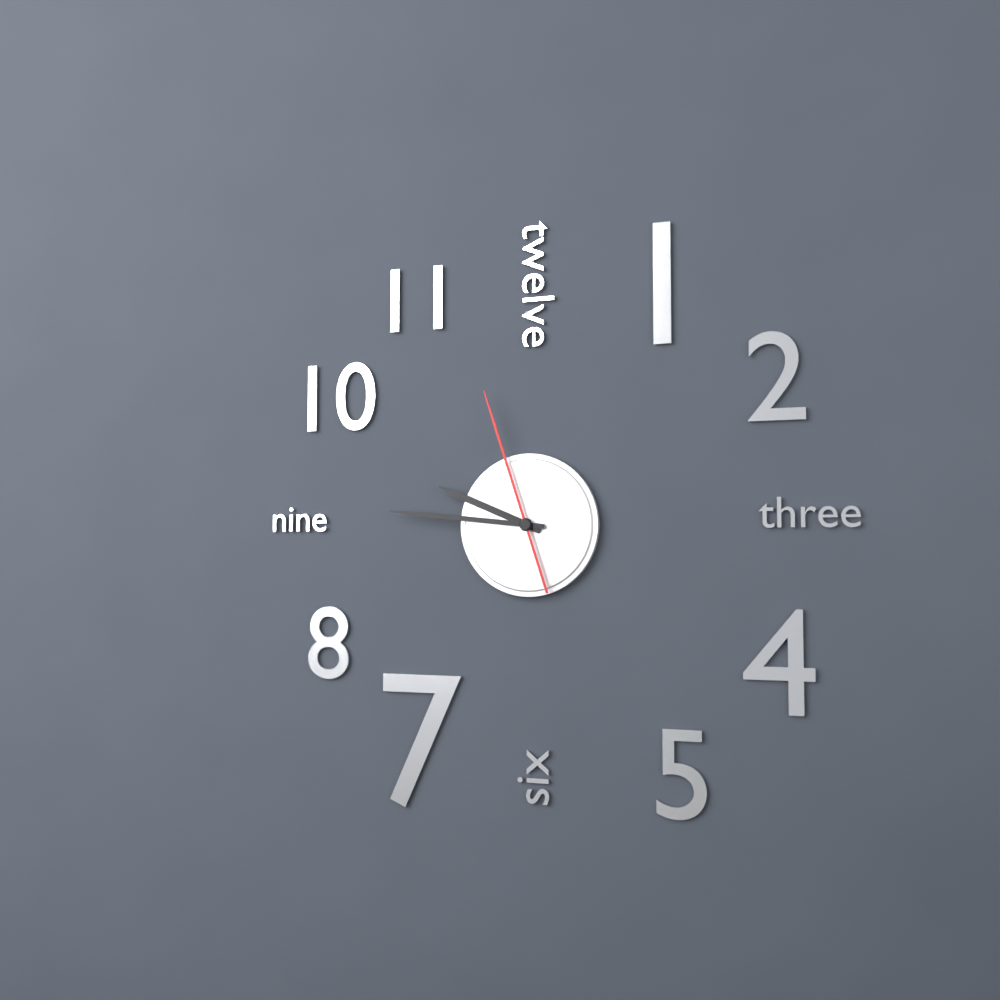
9:46:57
